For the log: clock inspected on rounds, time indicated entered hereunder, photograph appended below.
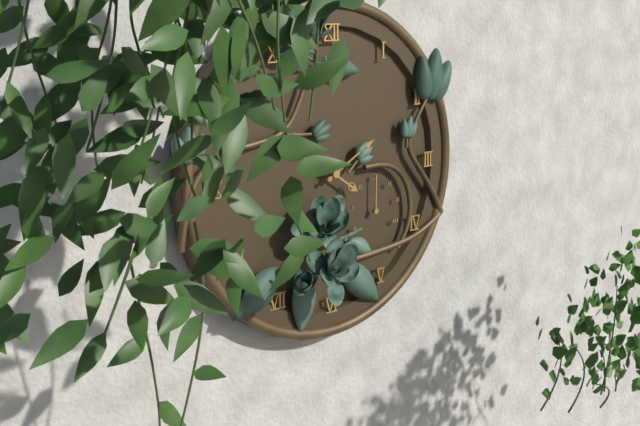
4:10
